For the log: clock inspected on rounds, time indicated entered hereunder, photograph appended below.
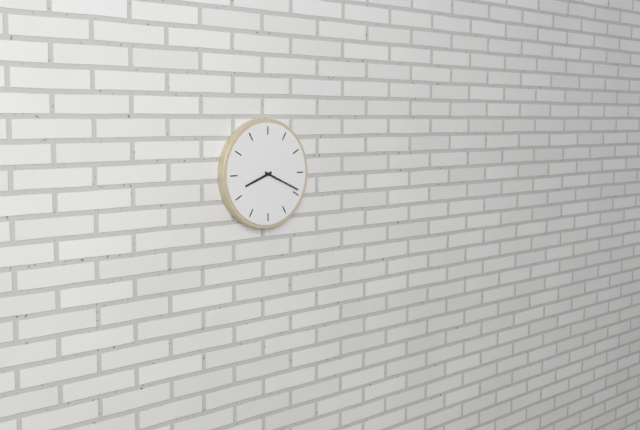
8:19
